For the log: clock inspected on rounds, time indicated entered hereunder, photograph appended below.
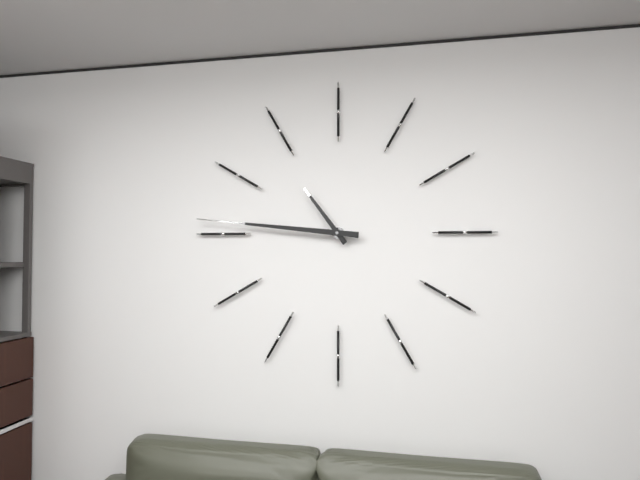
10:46
